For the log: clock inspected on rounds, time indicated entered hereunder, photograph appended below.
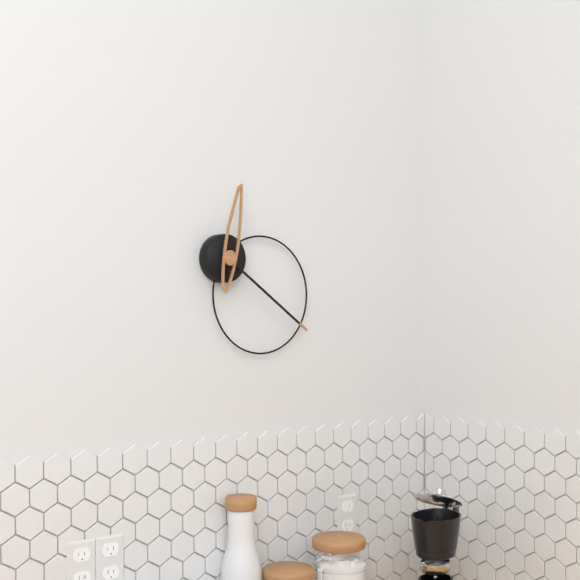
12:21
